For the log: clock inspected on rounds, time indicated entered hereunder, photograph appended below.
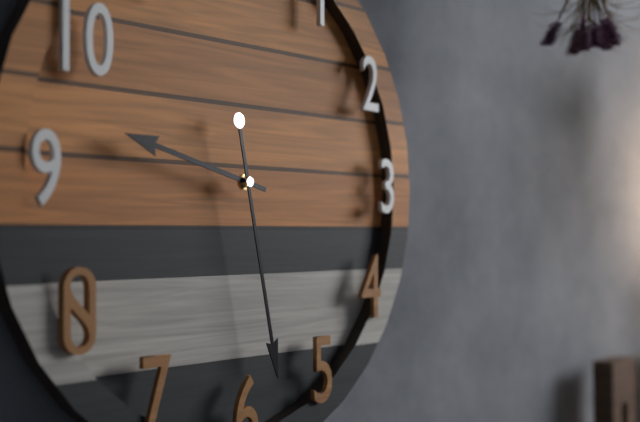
9:28
